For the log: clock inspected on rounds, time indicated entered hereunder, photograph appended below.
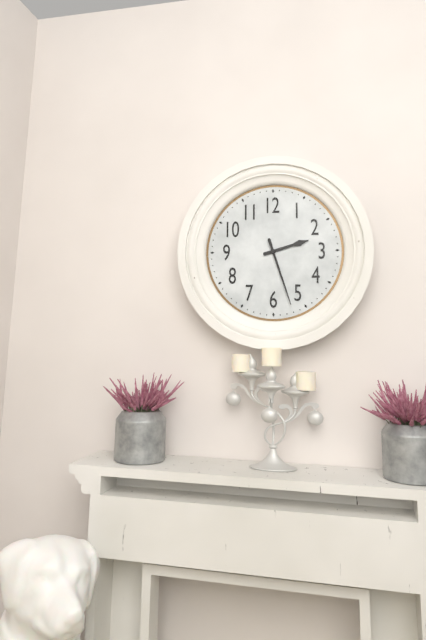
2:27
